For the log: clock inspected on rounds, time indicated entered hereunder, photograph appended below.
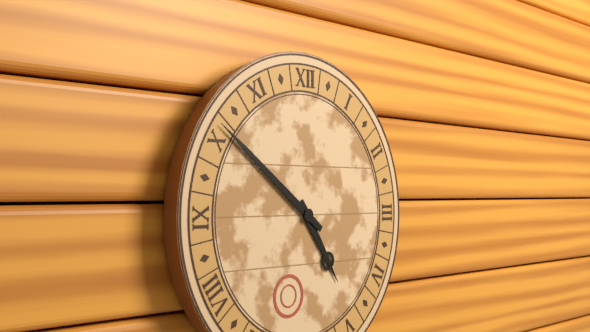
4:51
